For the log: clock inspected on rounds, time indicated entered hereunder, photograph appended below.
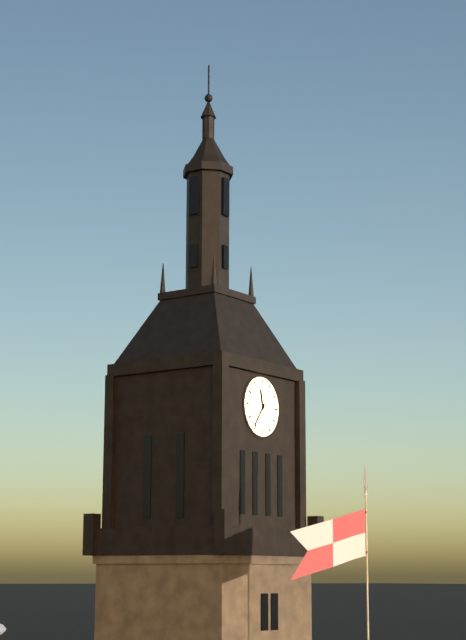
11:36
